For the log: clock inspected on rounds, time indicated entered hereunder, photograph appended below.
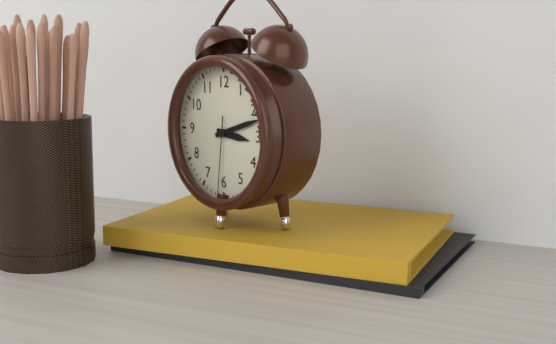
3:12:31
